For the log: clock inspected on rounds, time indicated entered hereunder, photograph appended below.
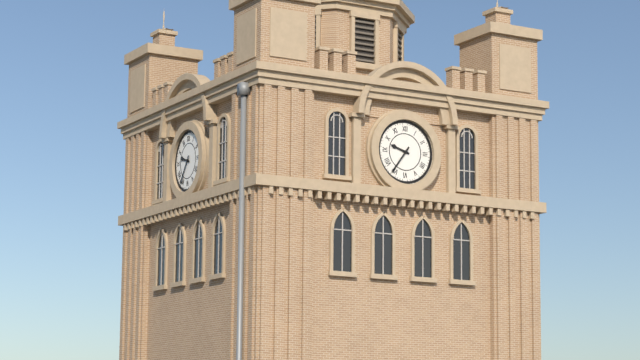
9:36
